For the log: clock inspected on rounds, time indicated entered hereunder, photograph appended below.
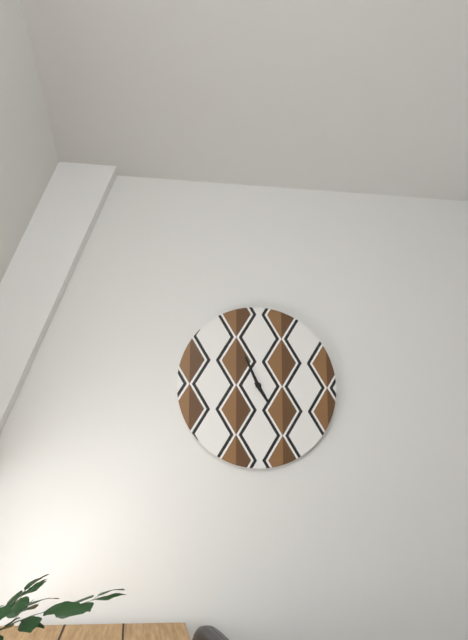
4:56
